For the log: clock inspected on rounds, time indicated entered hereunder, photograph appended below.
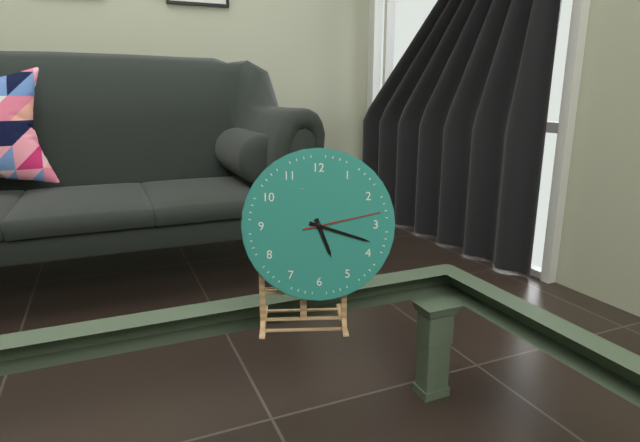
5:18:13
